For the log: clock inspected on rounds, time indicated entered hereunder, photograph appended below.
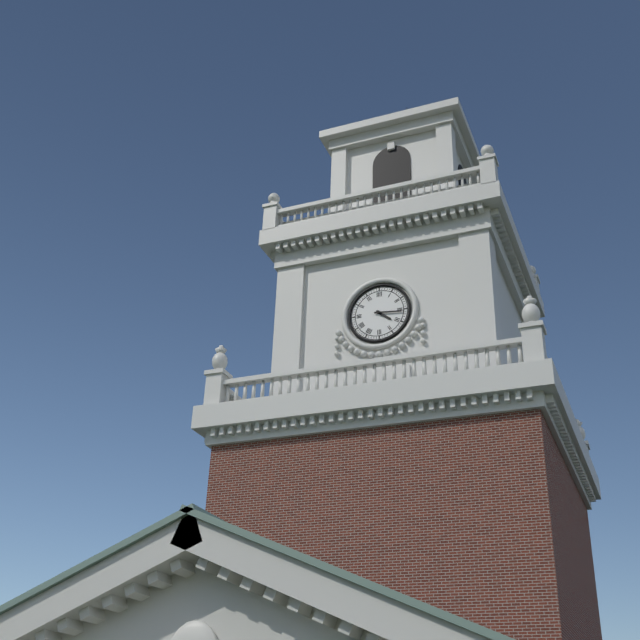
4:16
